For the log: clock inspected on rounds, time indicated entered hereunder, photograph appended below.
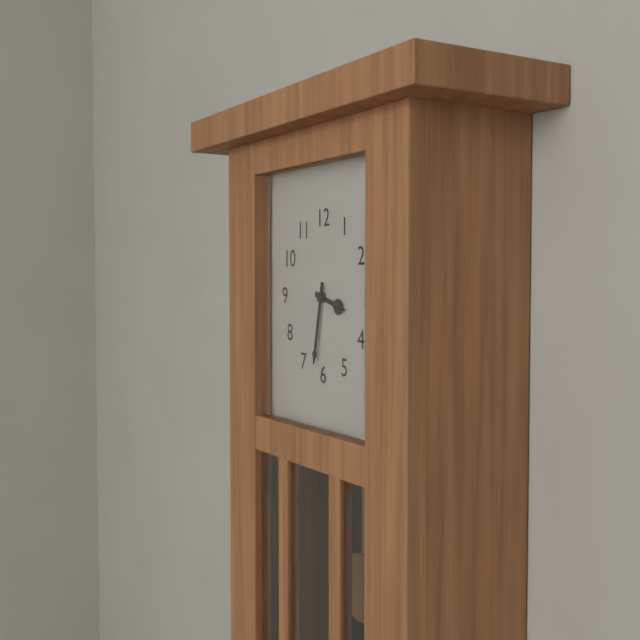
3:32
